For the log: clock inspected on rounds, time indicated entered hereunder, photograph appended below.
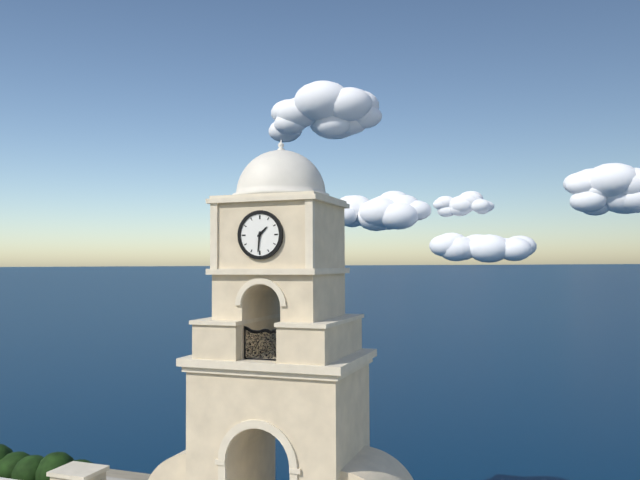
1:31
